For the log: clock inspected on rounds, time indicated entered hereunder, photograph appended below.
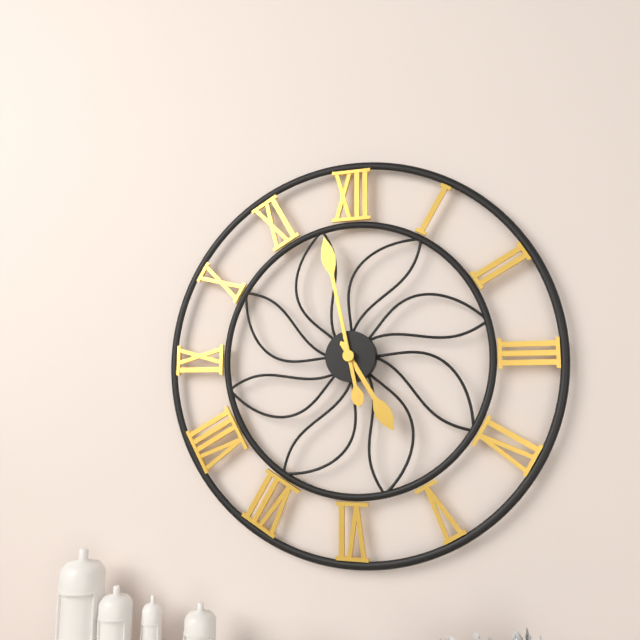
4:58
